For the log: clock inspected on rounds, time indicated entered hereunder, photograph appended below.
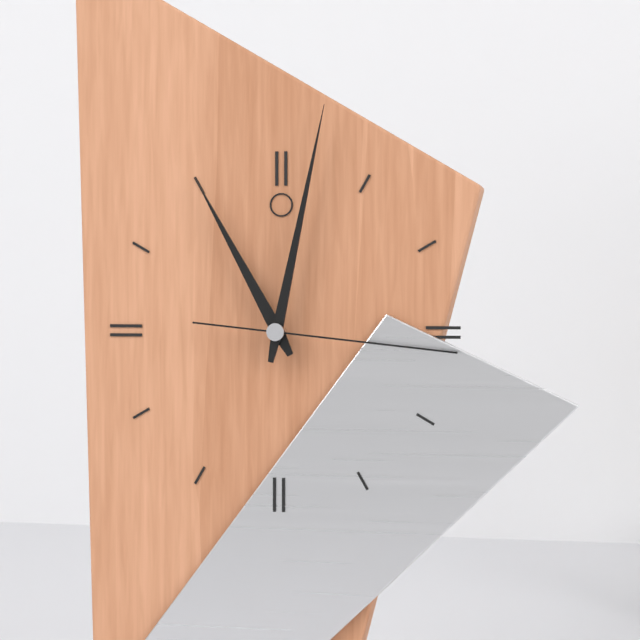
11:02:16
